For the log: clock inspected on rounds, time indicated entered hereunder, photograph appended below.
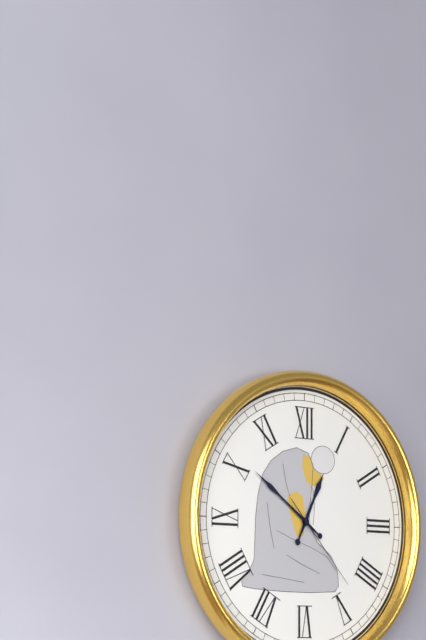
12:51:23
